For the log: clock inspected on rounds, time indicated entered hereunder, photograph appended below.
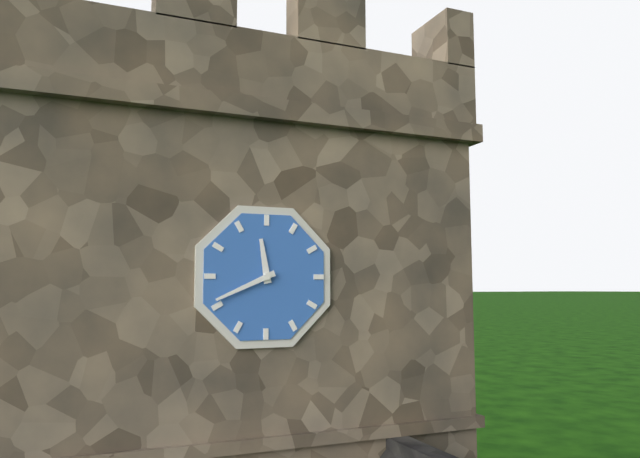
11:41
